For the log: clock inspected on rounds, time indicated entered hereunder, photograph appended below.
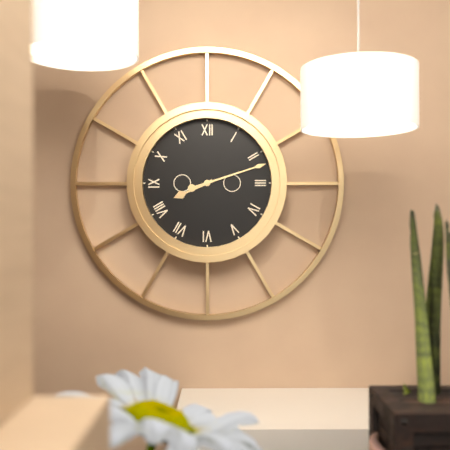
8:12
